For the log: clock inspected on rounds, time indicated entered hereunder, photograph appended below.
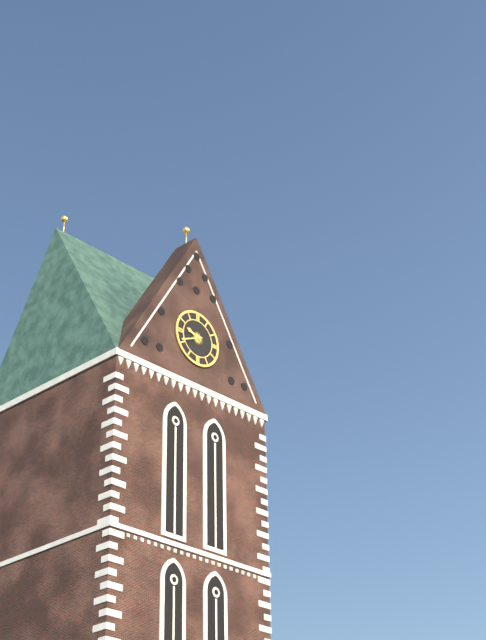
9:41
